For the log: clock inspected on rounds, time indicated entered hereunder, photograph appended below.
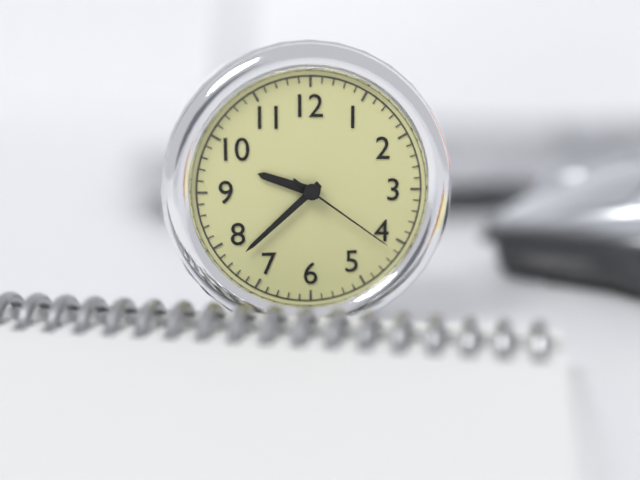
9:38:21
